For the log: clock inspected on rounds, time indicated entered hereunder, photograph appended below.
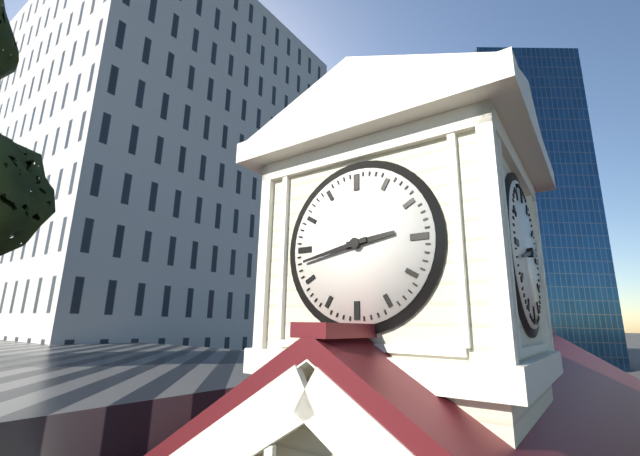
2:43
